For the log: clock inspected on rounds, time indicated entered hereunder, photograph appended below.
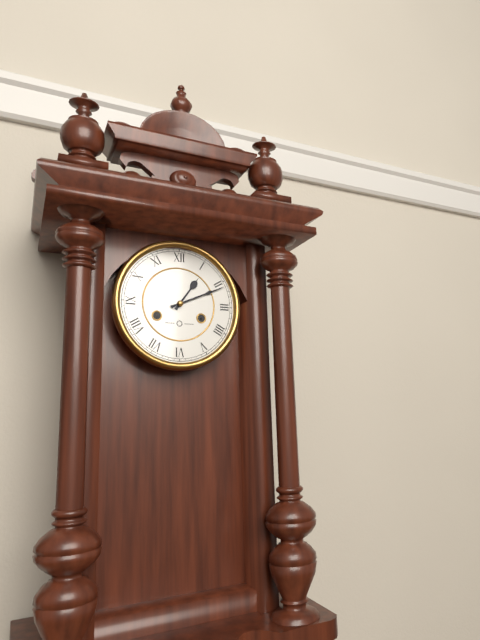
1:11
